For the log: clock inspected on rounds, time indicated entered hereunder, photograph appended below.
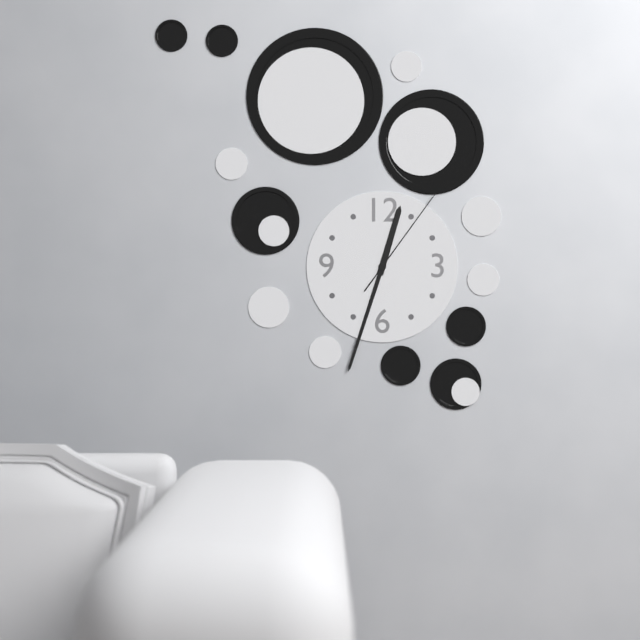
12:33:06
